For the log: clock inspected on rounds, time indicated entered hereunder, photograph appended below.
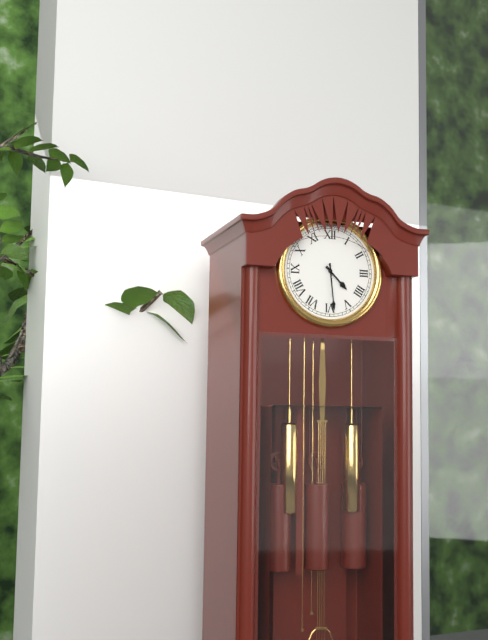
4:29
